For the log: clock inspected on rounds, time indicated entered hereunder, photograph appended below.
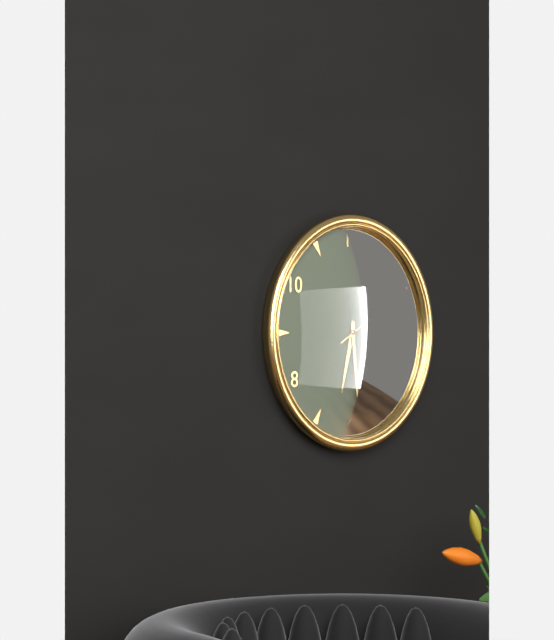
6:29:10
